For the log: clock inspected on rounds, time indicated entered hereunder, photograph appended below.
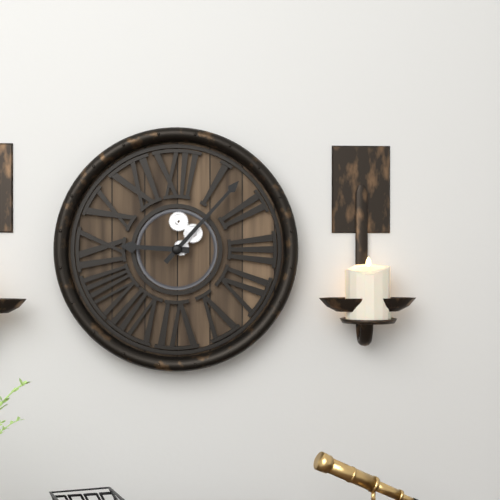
9:07
